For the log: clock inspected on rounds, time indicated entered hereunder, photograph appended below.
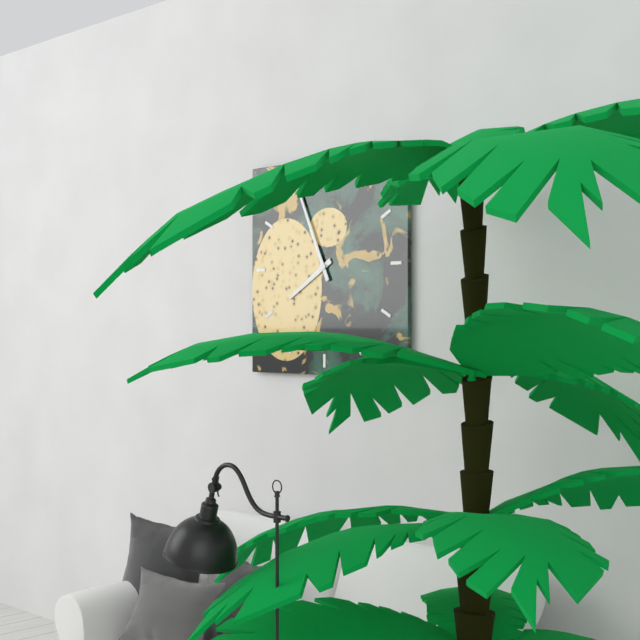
7:56
